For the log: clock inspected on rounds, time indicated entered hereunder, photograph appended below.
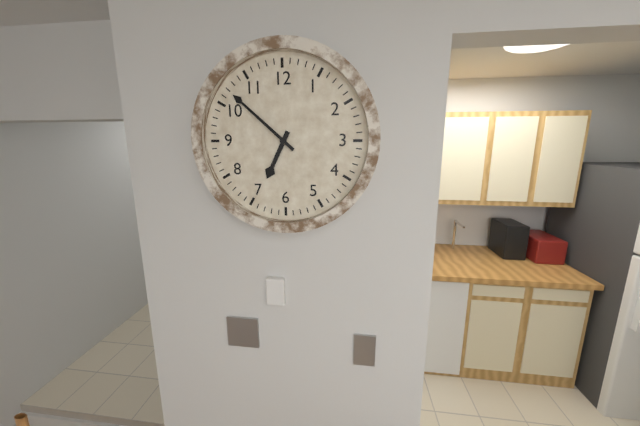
6:52
